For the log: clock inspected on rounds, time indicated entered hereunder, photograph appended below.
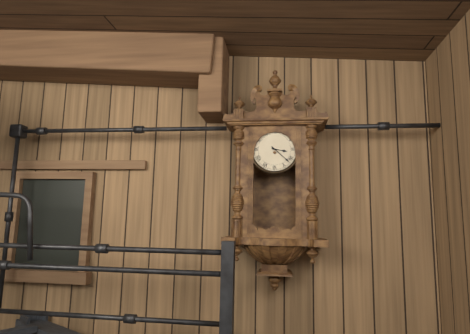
3:22
